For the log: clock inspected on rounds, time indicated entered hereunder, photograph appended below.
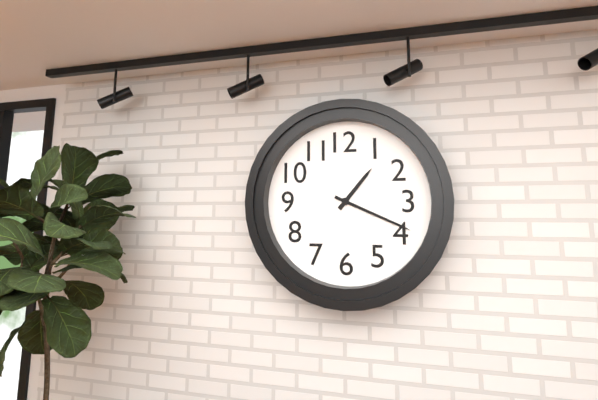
1:19
